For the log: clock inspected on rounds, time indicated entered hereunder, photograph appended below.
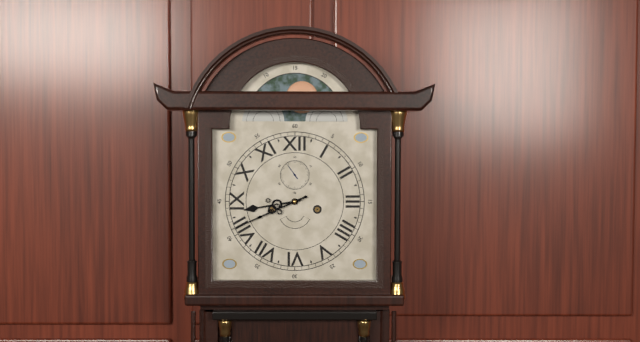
8:41
